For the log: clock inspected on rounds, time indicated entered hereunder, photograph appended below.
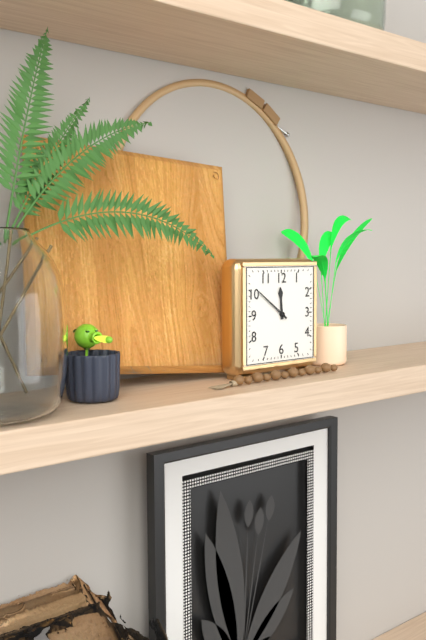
11:51
